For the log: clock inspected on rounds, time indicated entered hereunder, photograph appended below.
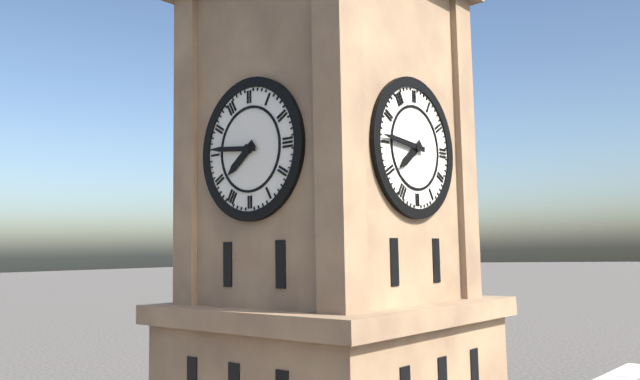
7:46
